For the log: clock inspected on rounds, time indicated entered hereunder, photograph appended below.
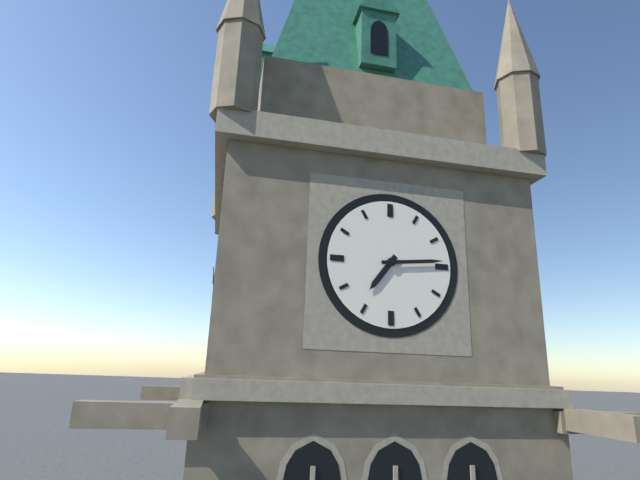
7:14
